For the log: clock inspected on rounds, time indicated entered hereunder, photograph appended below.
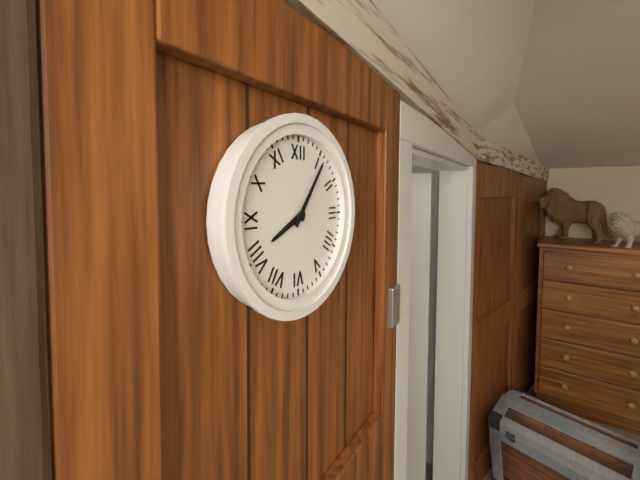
8:06
